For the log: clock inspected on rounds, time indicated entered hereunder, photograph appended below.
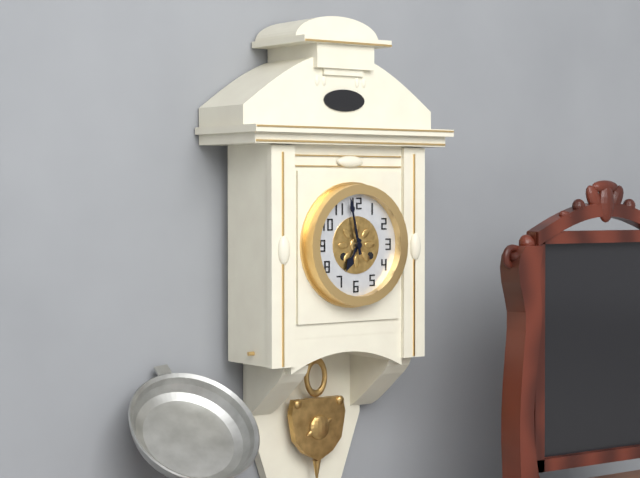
6:58
